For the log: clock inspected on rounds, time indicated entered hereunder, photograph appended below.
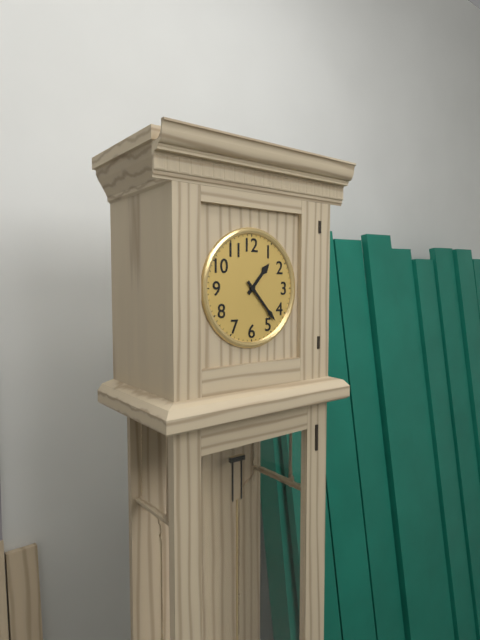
1:23
